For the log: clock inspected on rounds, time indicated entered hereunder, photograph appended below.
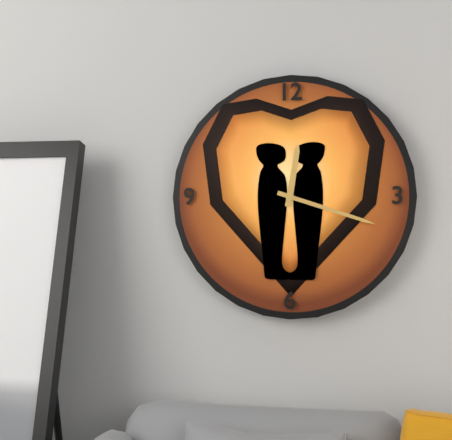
12:18
